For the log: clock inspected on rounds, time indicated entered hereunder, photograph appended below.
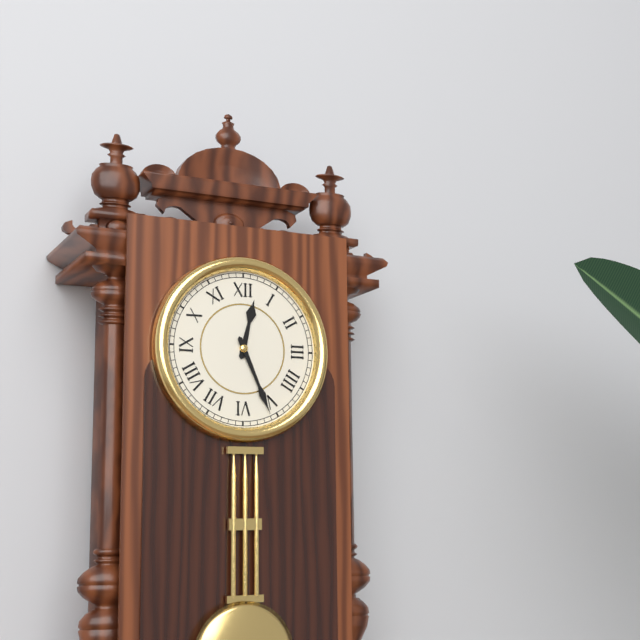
12:26
